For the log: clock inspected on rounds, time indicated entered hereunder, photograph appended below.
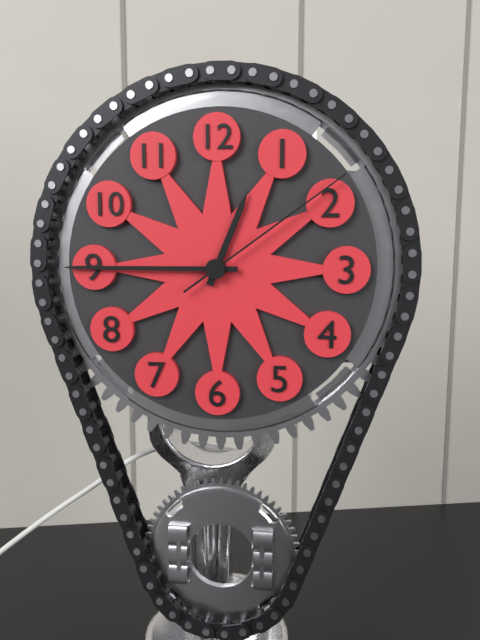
12:45:09
